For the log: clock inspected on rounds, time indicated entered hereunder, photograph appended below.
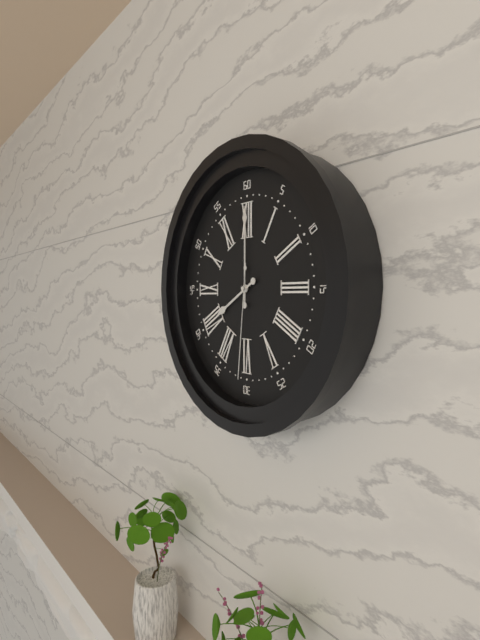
8:00:31
